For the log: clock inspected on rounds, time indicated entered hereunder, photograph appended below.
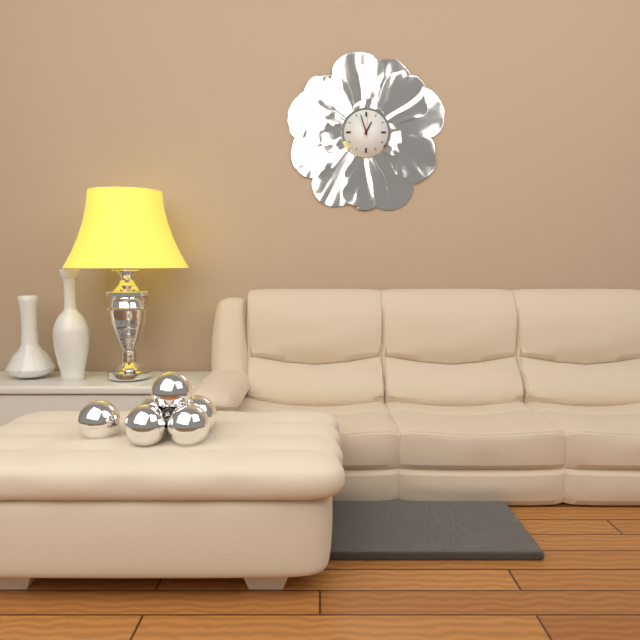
12:57
